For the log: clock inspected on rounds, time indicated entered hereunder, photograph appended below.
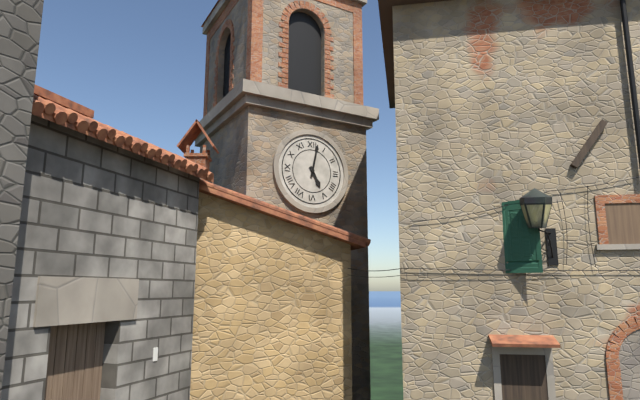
5:02
